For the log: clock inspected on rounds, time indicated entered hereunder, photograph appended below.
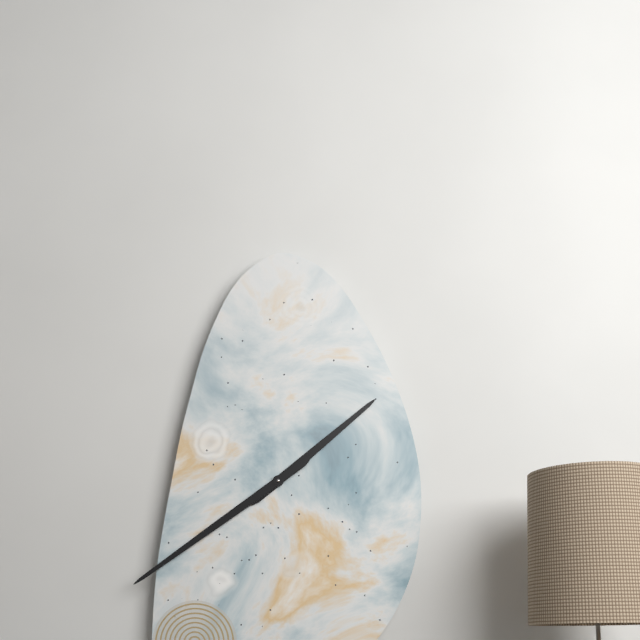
1:39
